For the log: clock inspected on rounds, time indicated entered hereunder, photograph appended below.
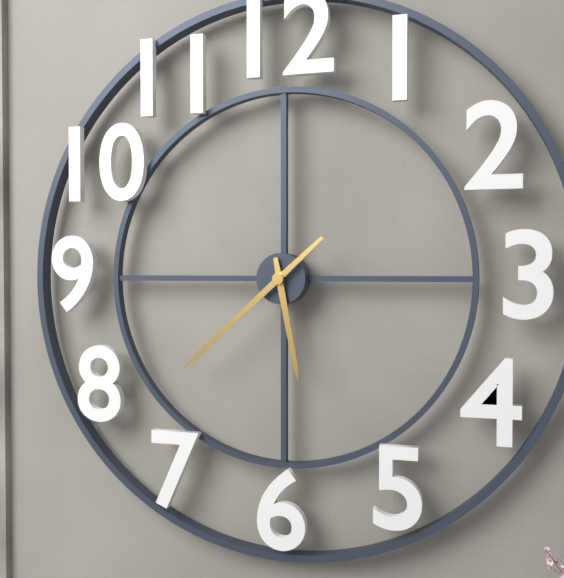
5:38
